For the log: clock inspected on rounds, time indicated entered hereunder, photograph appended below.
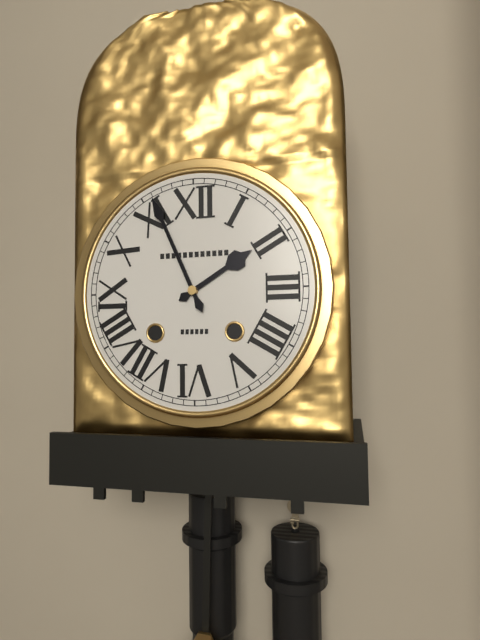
1:56
